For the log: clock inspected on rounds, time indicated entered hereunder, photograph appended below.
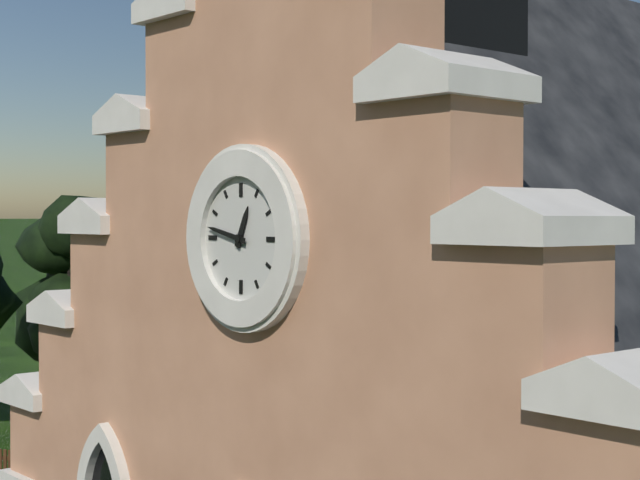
12:47
